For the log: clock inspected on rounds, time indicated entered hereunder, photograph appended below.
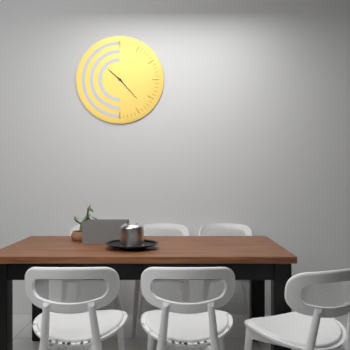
10:23
